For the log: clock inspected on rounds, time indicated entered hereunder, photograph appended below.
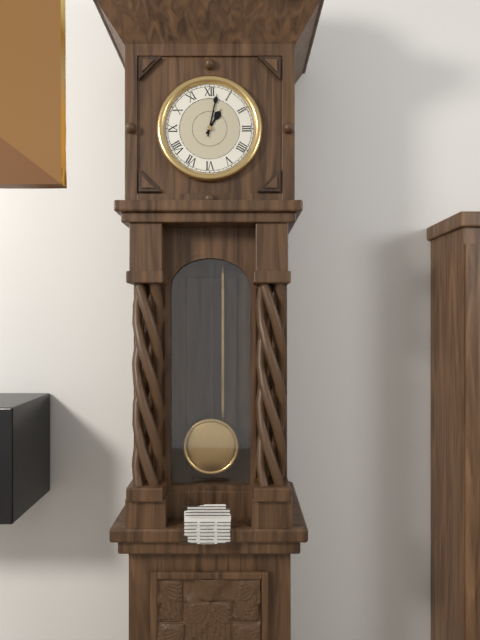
1:02
